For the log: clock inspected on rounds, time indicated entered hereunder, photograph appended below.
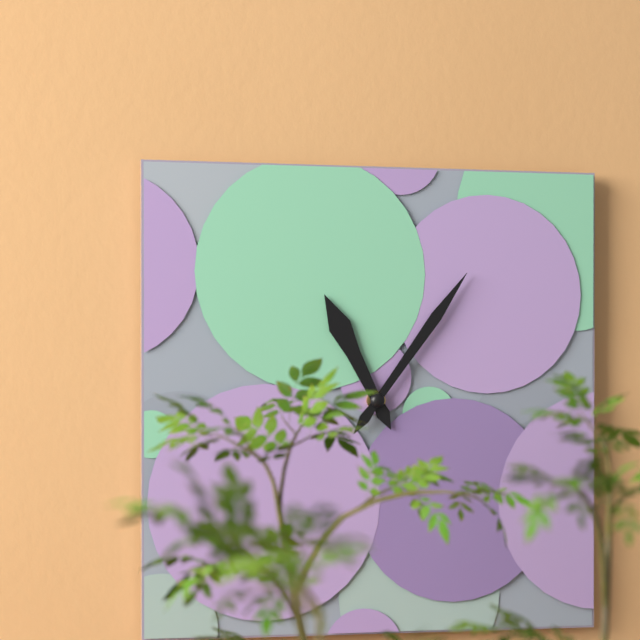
11:06
